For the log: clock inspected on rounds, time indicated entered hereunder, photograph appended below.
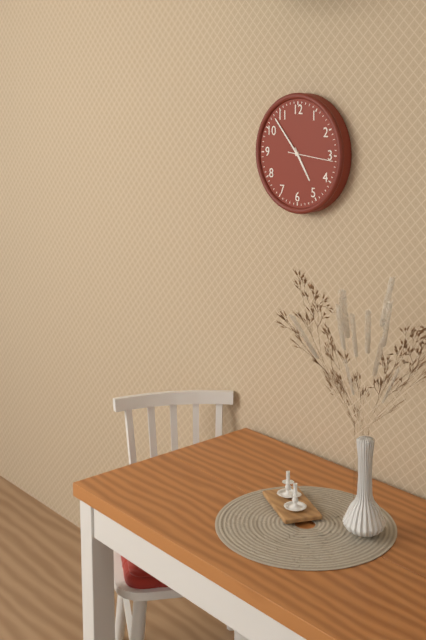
4:53
